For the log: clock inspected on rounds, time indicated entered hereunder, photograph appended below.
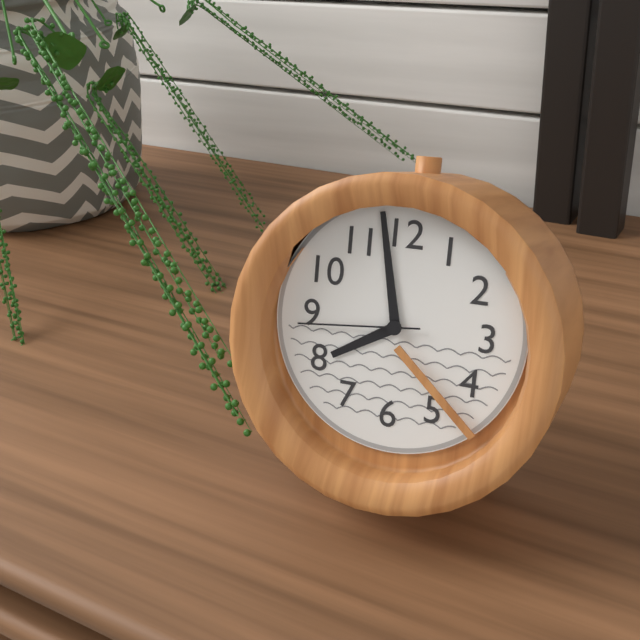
7:58:44
